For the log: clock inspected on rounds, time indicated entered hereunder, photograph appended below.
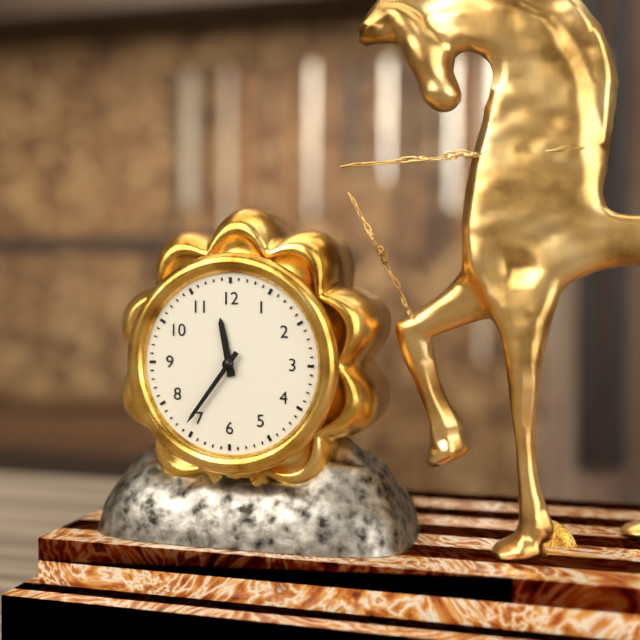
11:36
